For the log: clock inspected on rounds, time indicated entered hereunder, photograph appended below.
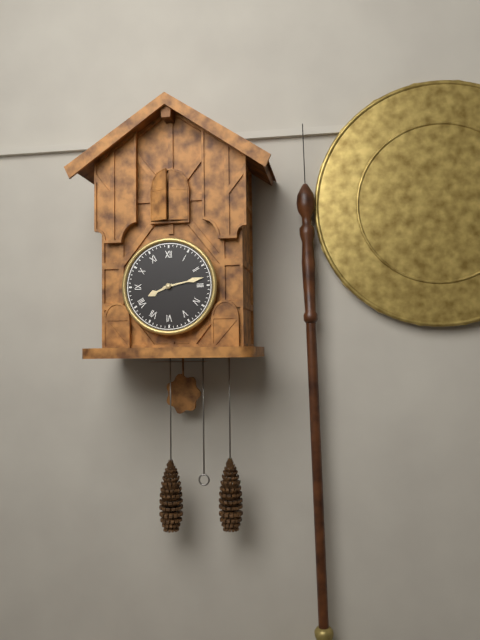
8:13
